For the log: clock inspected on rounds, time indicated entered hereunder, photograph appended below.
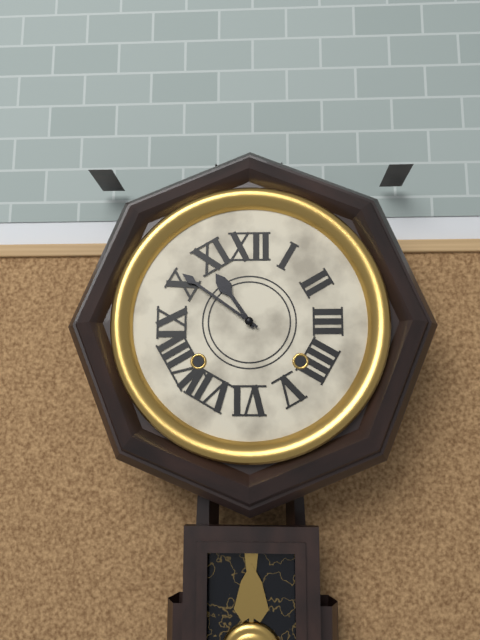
10:51
